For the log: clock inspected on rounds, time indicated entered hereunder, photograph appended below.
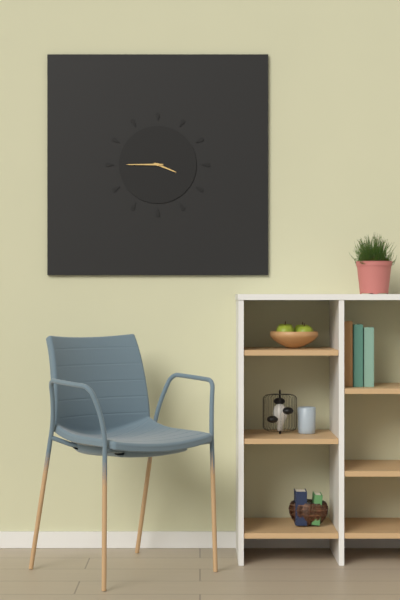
3:45
